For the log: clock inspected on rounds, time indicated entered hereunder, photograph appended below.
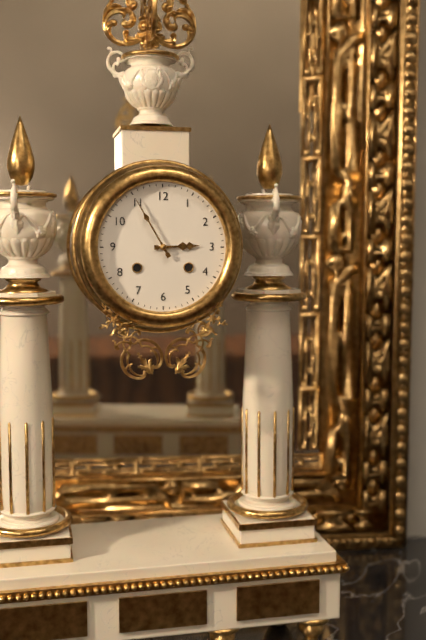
2:55
